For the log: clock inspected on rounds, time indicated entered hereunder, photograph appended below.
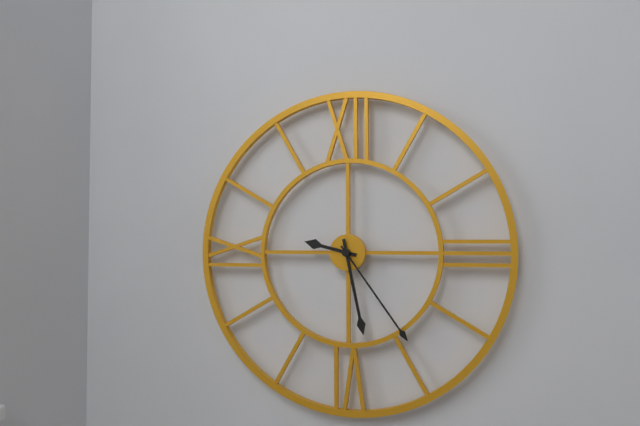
9:28:24
